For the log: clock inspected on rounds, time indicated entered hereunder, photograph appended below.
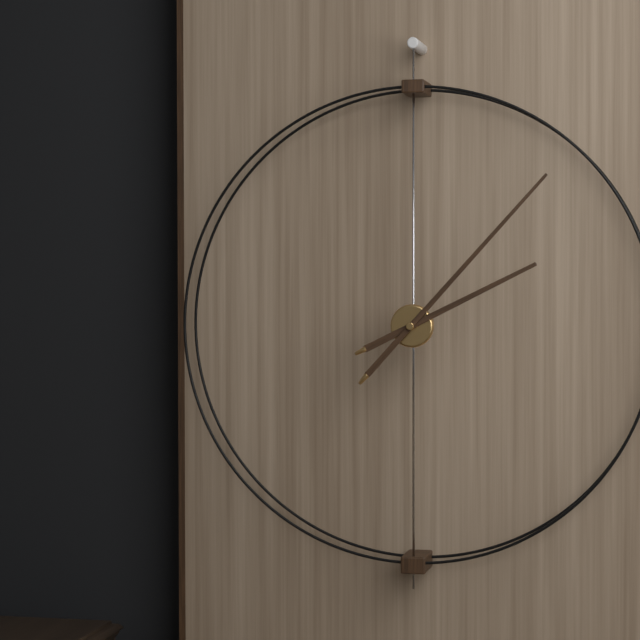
2:07
